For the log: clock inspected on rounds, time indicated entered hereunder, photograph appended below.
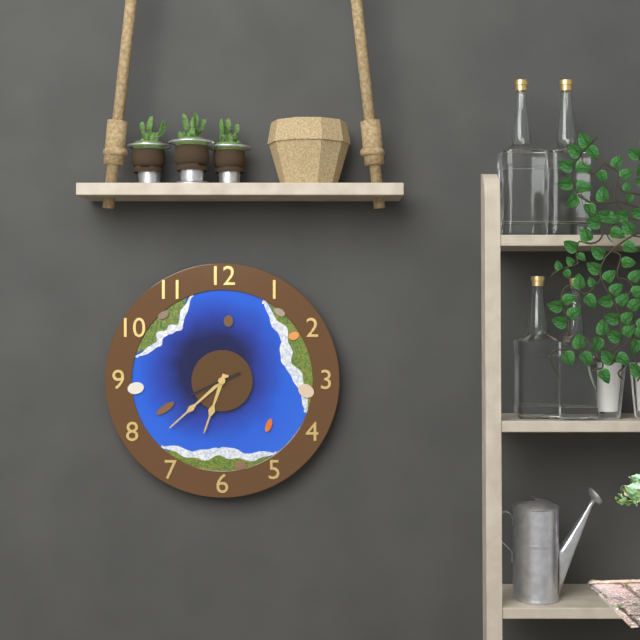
6:38:41
